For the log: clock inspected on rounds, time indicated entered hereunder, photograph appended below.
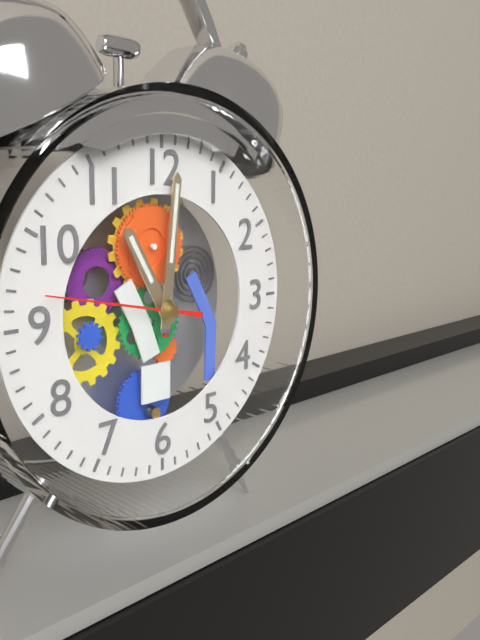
11:01:47
